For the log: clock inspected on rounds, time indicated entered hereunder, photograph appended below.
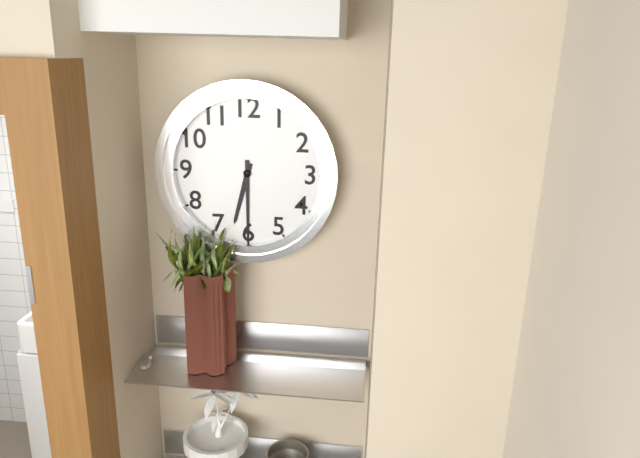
6:30
